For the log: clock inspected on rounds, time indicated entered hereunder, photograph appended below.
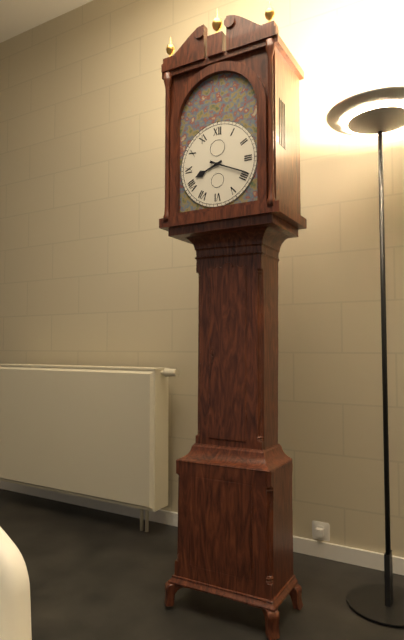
8:19
